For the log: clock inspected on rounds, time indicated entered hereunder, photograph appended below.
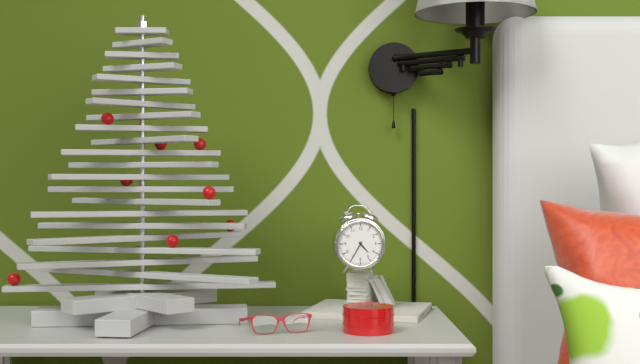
4:35
